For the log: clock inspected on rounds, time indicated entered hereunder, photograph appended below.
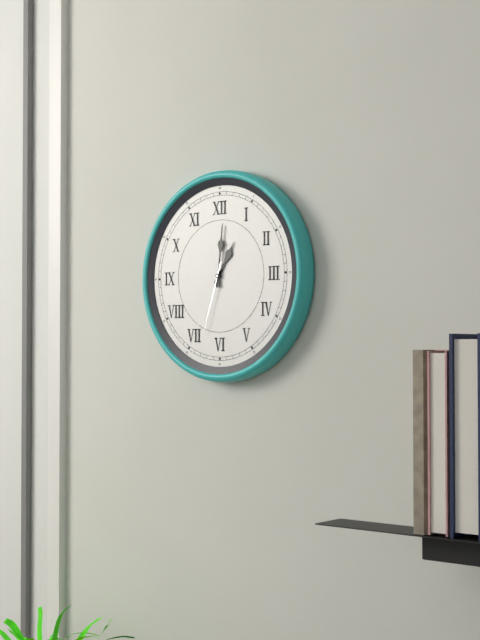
1:01:33
